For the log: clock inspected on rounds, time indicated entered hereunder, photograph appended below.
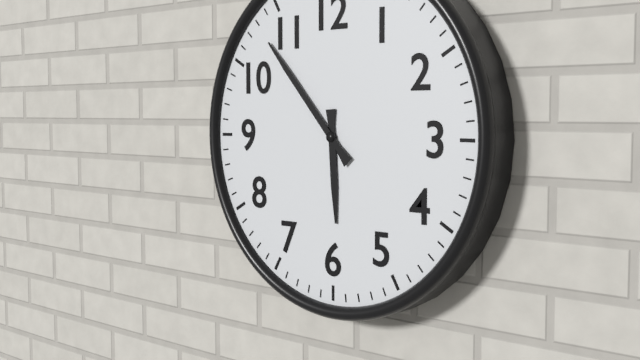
5:53
